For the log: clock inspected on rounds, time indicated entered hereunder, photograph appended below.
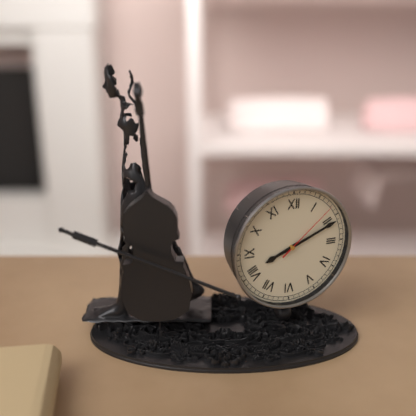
8:11:08
